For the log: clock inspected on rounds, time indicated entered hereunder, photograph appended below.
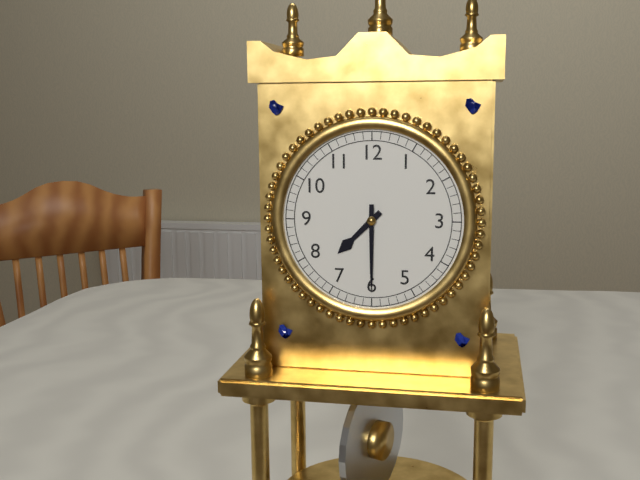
7:30
